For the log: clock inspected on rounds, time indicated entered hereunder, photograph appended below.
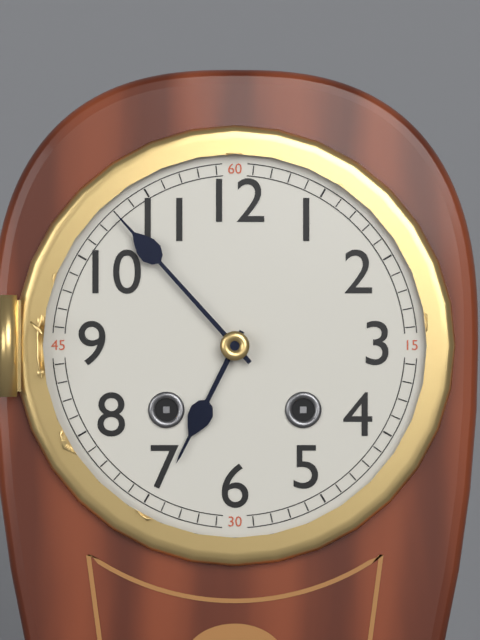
6:53
